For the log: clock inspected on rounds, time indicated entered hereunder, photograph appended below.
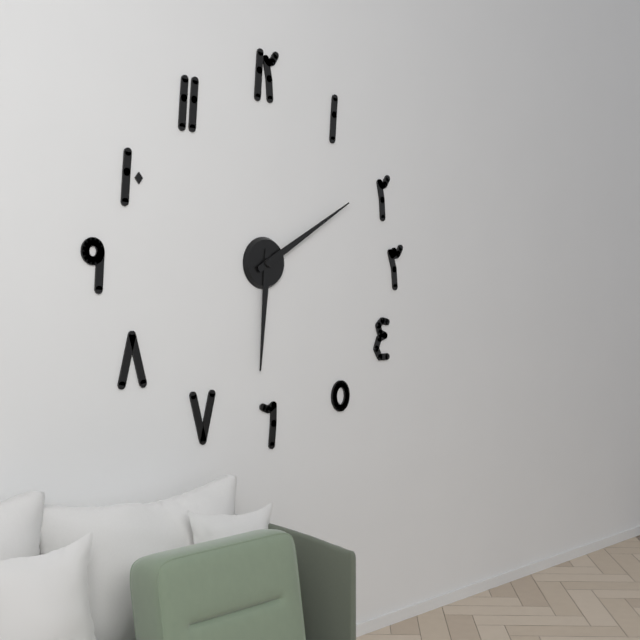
6:10
